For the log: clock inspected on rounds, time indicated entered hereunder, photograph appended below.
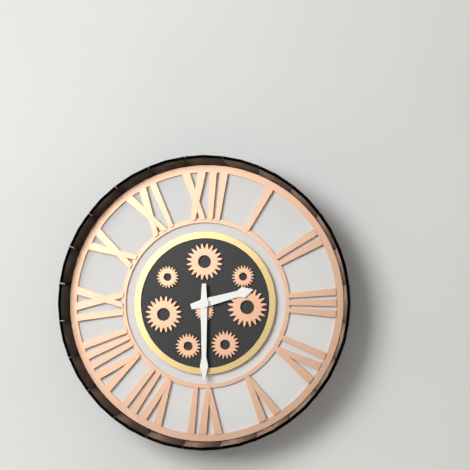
2:30
